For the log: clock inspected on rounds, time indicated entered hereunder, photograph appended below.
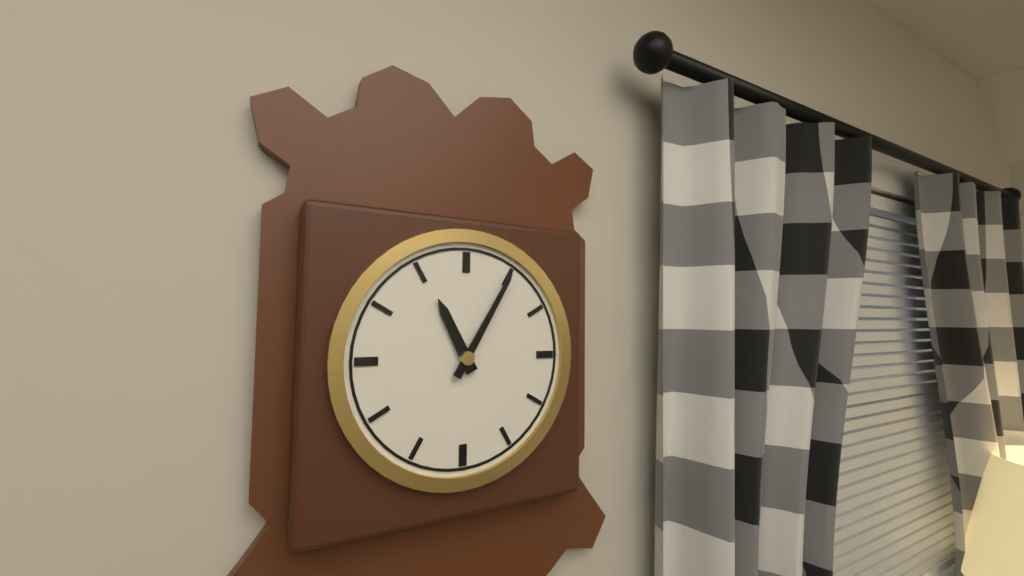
11:05
